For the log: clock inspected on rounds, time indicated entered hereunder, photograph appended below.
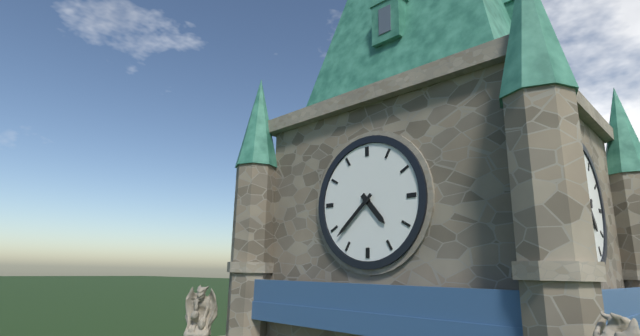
4:38
